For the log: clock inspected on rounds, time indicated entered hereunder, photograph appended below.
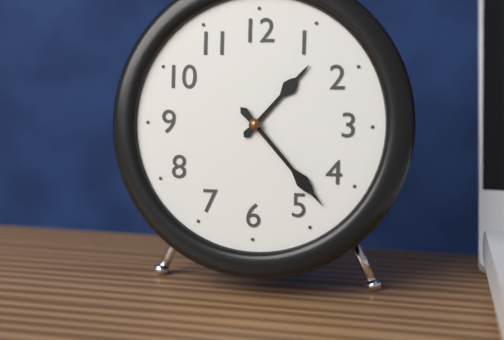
1:23
